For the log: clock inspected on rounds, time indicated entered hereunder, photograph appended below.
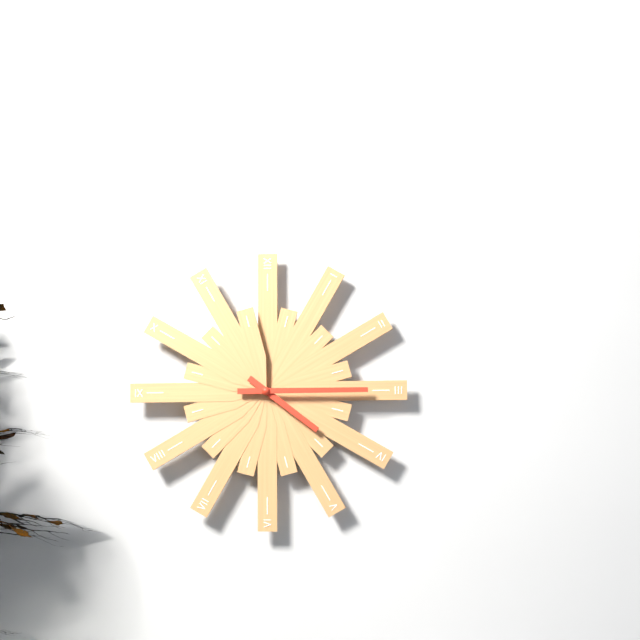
4:15
